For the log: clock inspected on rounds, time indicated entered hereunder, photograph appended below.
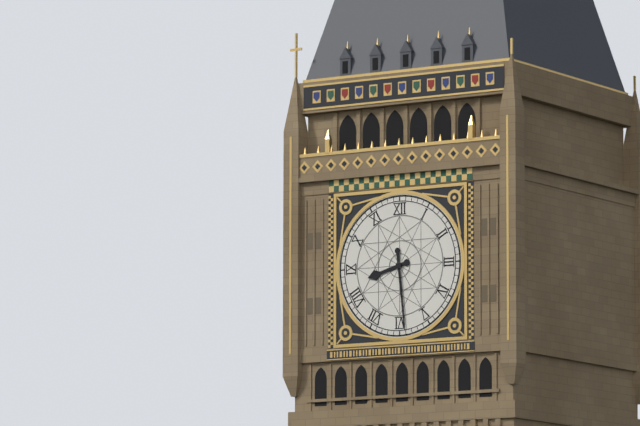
8:29
